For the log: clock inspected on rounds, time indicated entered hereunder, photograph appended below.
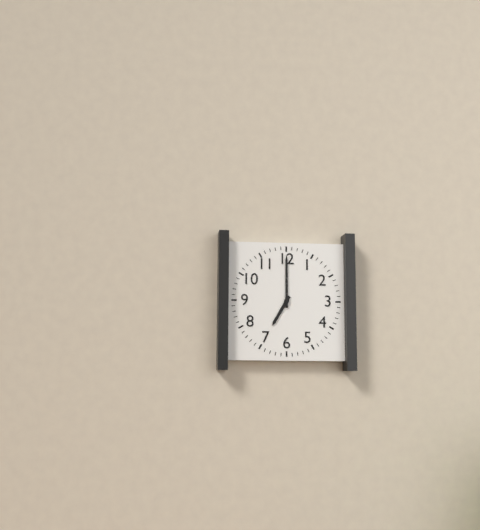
7:00
